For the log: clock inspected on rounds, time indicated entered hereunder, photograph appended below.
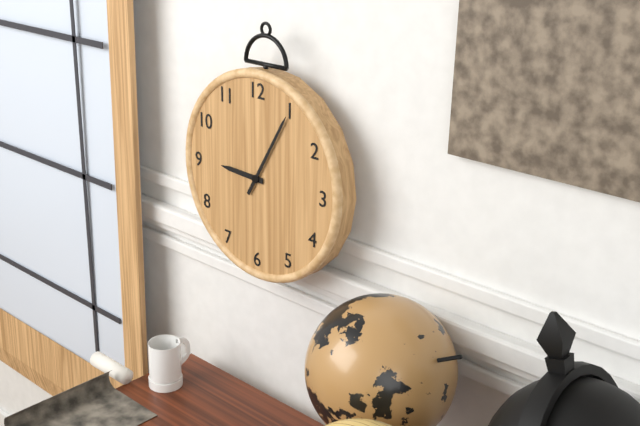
9:05
